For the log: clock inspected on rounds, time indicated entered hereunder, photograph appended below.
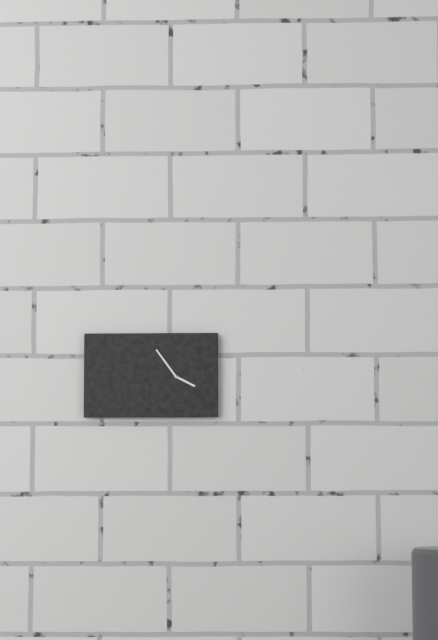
3:54
